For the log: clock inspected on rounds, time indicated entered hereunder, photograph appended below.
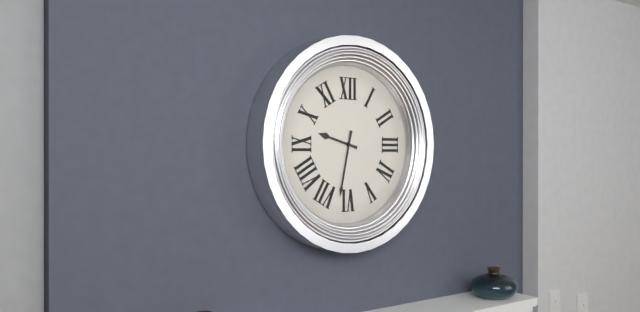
9:32
